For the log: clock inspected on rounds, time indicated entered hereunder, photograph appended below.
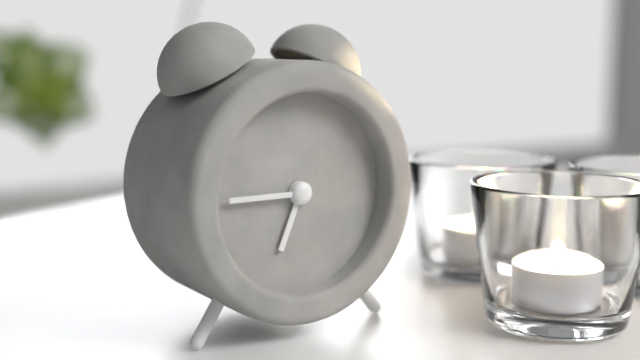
6:45
